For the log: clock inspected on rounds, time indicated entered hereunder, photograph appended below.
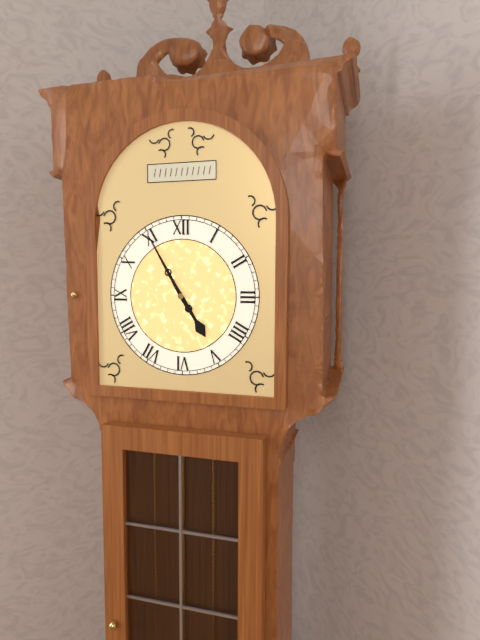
4:55
